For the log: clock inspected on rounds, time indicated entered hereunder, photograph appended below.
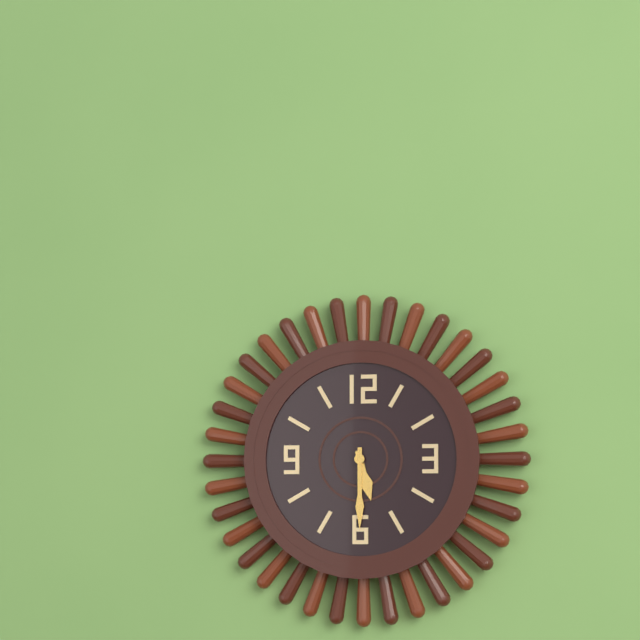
5:30
